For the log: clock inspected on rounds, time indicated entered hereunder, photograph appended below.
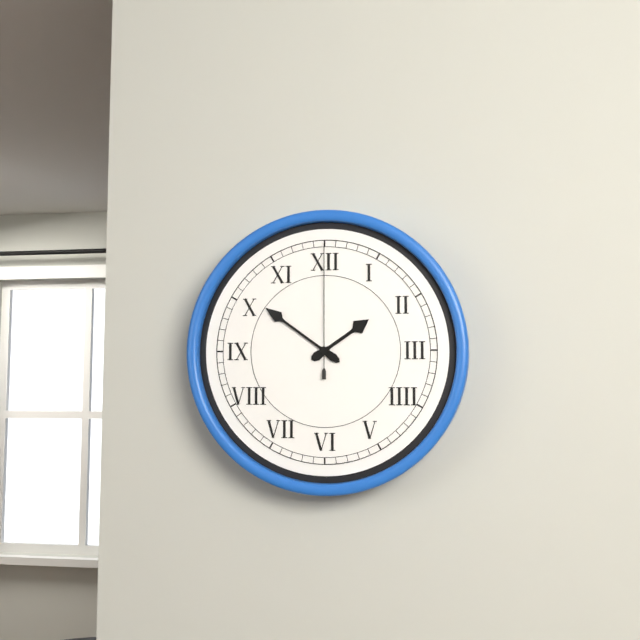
1:51:00
